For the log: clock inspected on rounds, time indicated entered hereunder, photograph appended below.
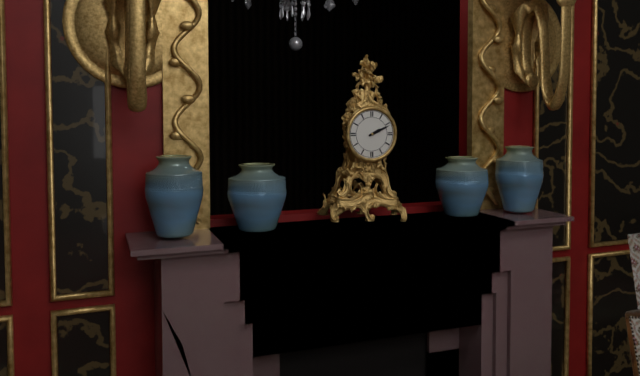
2:11
